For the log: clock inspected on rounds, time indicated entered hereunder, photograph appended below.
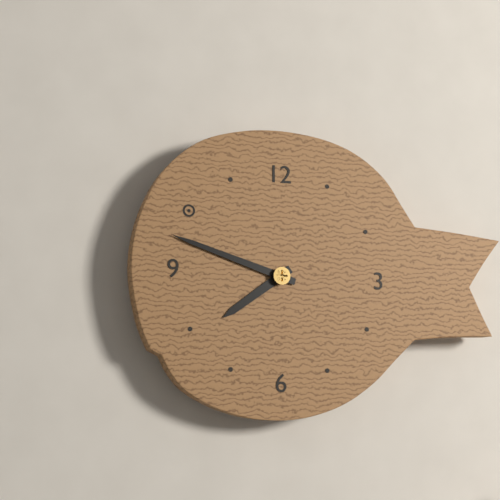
7:48
